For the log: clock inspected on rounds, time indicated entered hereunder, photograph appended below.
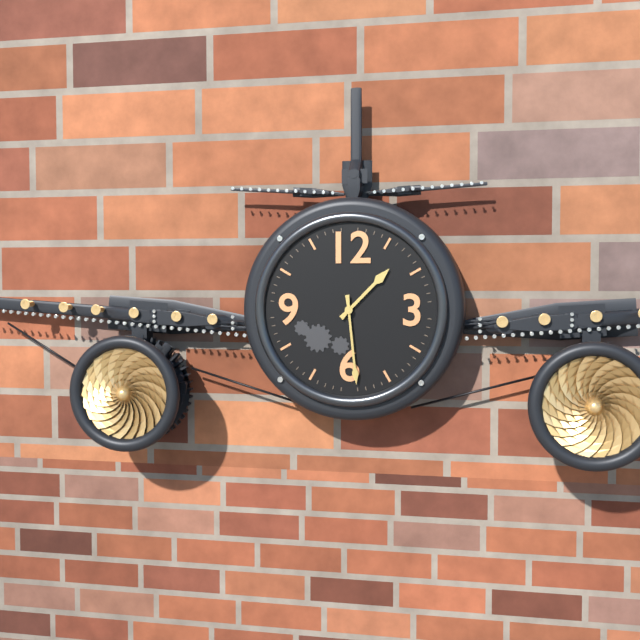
1:29
